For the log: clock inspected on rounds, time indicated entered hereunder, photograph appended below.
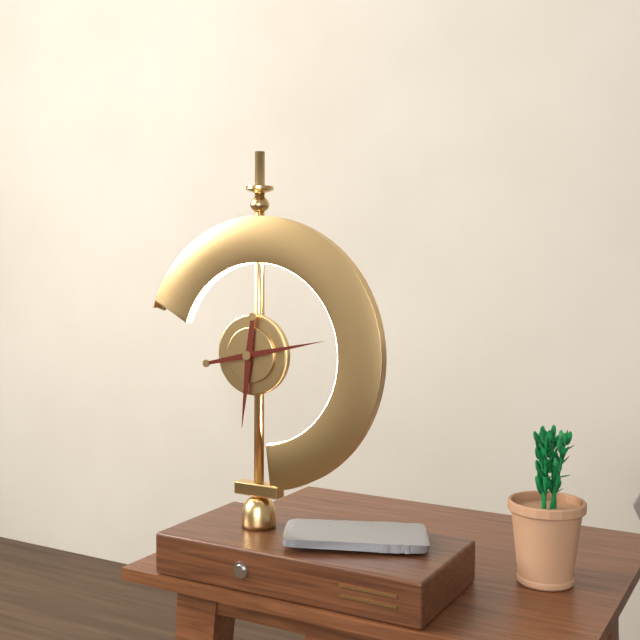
6:13
